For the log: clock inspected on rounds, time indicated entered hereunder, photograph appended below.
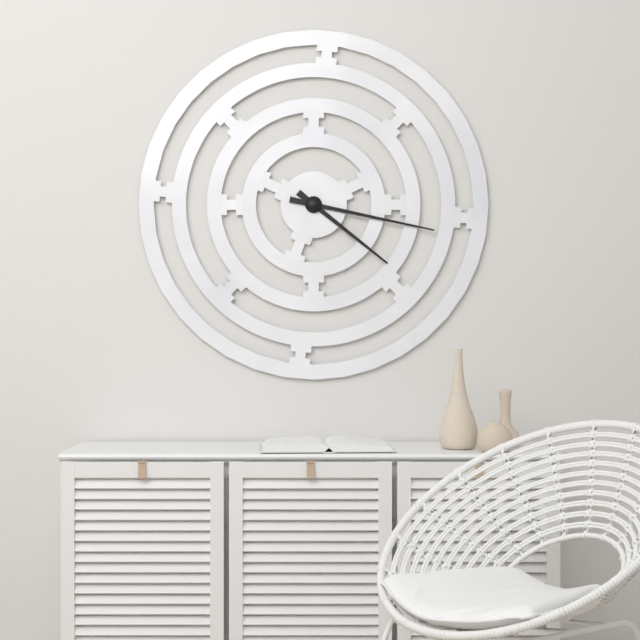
4:17
